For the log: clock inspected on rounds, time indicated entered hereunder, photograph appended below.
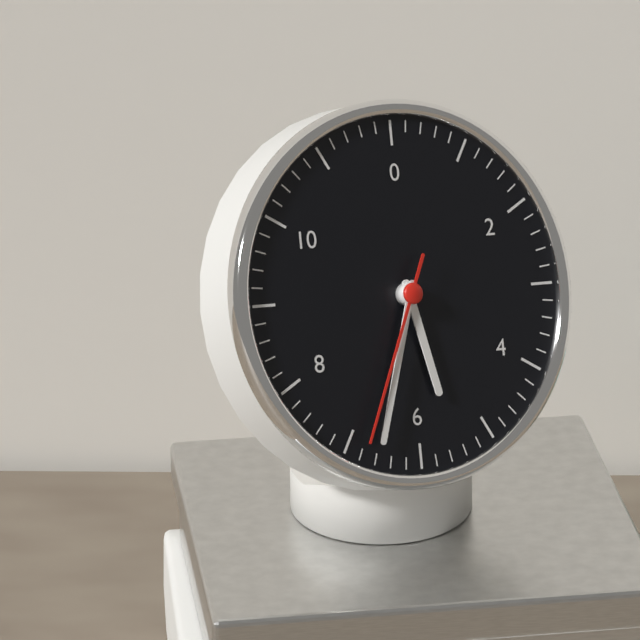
5:33:34
